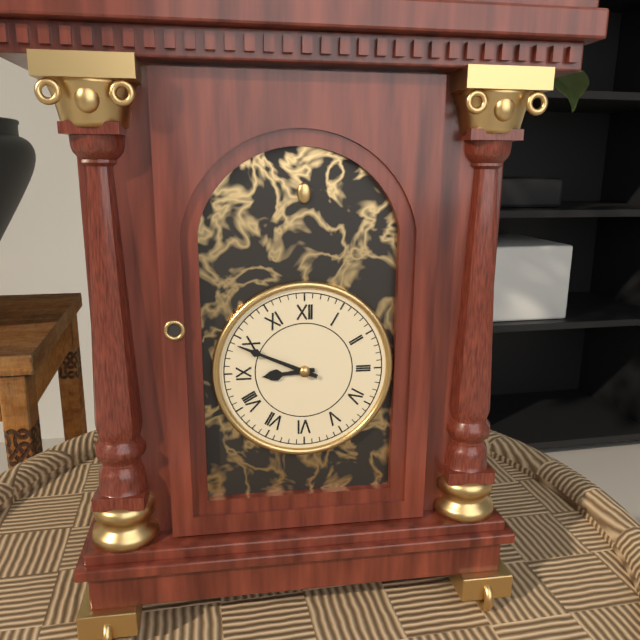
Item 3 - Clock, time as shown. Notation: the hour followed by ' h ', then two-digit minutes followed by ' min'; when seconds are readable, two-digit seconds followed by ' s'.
8 h 49 min
